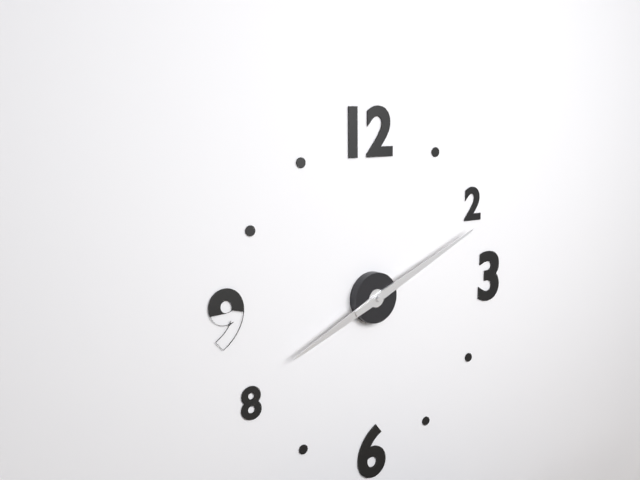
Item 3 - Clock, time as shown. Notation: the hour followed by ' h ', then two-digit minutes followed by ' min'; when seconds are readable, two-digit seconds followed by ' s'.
8 h 11 min
